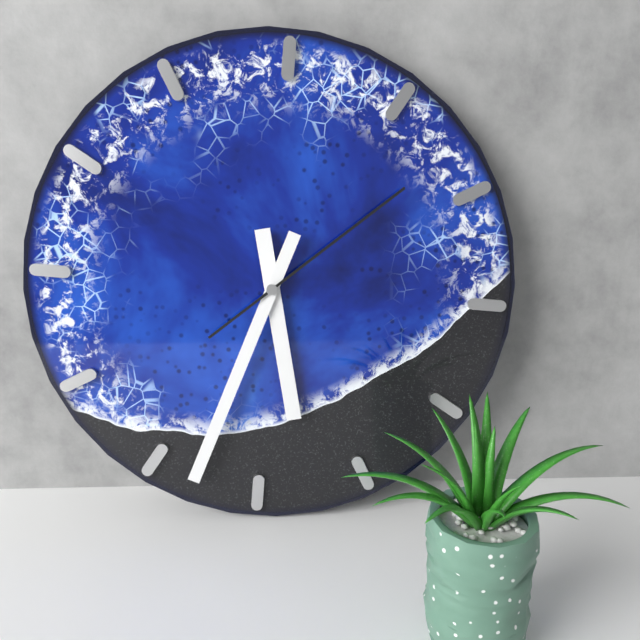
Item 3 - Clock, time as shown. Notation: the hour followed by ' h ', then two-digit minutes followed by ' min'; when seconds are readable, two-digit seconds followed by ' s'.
5 h 33 min 08 s
